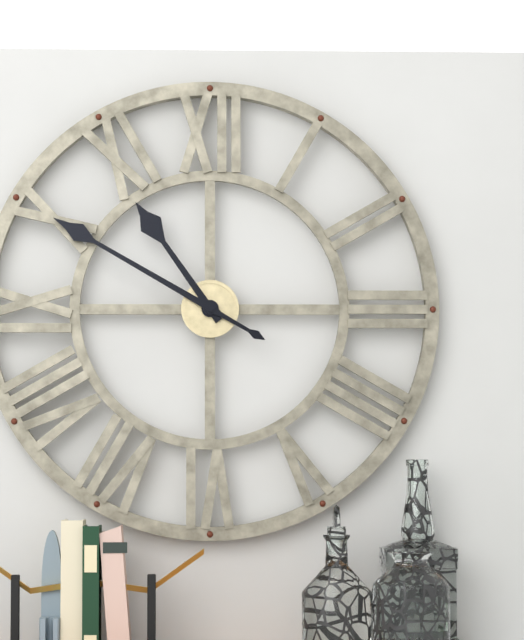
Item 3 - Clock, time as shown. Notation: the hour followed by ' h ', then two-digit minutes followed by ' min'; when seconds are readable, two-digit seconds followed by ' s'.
10 h 50 min
